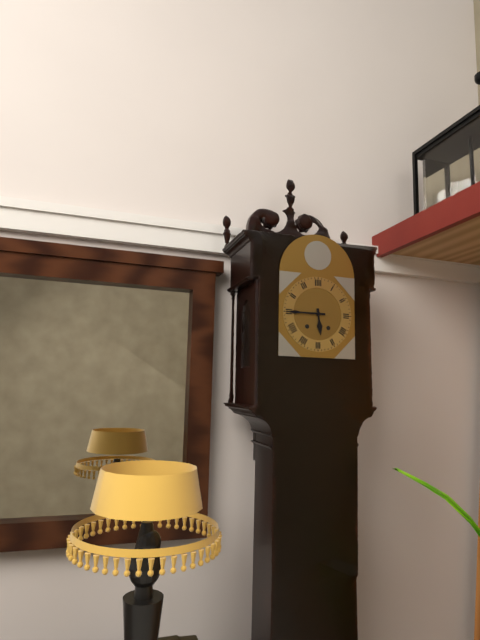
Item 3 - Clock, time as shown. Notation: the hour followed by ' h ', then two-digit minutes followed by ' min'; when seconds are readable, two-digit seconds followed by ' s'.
5 h 45 min
